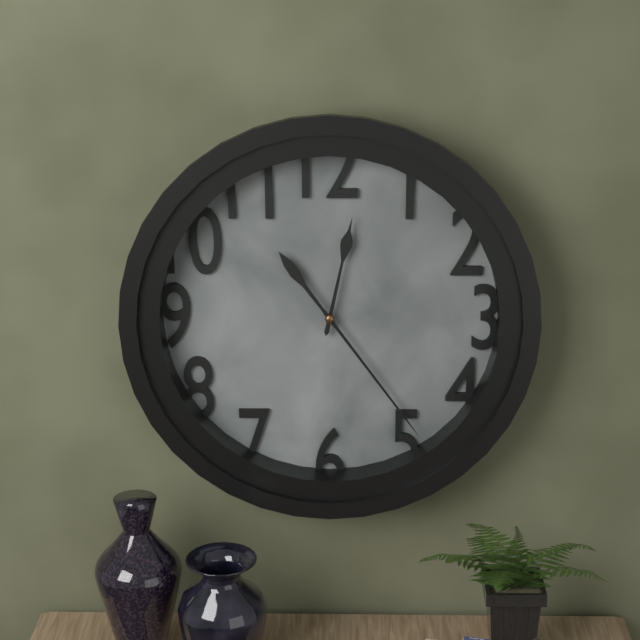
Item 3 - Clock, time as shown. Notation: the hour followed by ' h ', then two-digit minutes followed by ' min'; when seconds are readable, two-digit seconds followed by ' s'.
12 h 24 min
